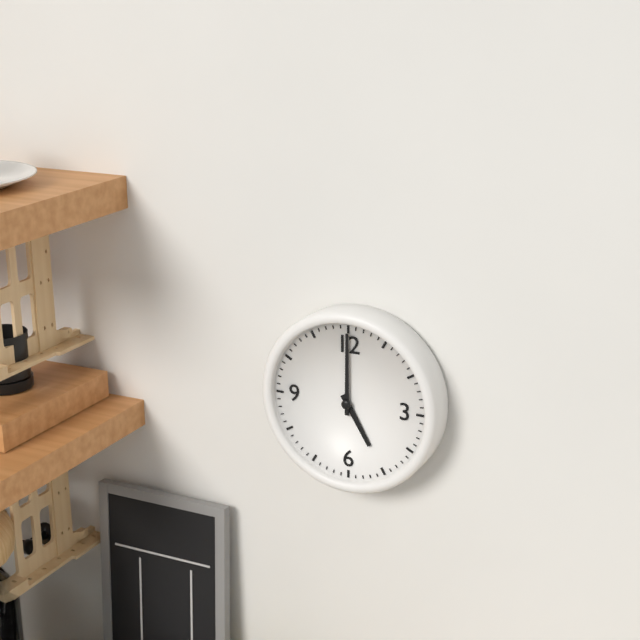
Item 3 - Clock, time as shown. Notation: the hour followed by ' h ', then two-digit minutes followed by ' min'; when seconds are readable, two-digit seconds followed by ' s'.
5 h 00 min
